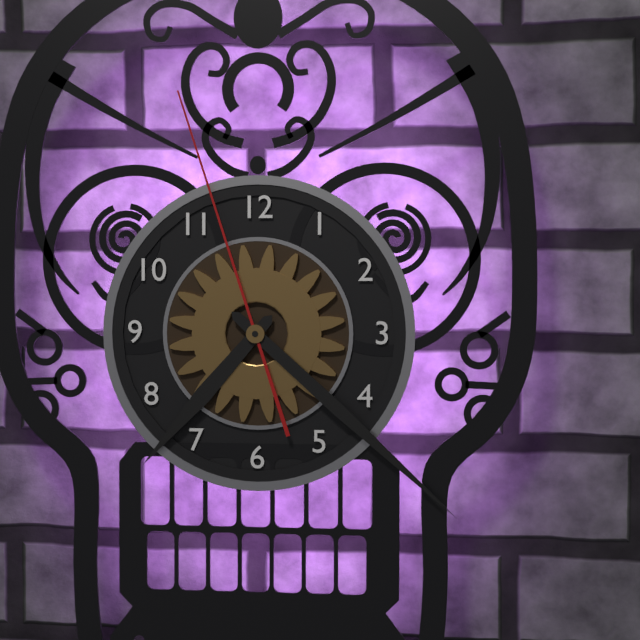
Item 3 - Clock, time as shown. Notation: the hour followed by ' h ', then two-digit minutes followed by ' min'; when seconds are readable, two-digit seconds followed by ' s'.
7 h 22 min 57 s
